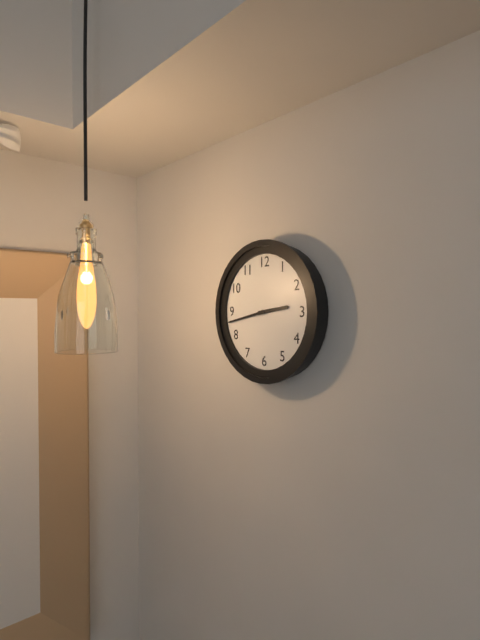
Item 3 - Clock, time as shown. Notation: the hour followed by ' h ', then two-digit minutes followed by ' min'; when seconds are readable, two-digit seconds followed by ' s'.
2 h 43 min
